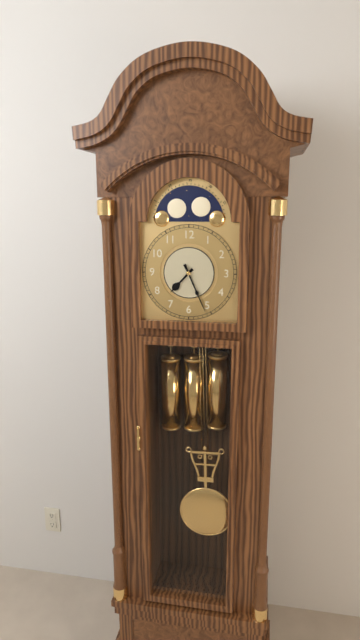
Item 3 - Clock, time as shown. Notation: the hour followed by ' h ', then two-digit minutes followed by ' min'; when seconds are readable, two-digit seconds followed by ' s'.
7 h 26 min
